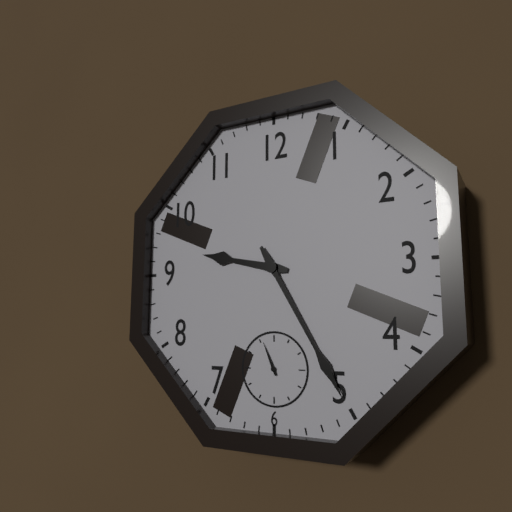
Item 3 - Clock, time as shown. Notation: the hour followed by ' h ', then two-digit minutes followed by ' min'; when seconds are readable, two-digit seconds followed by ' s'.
9 h 25 min
